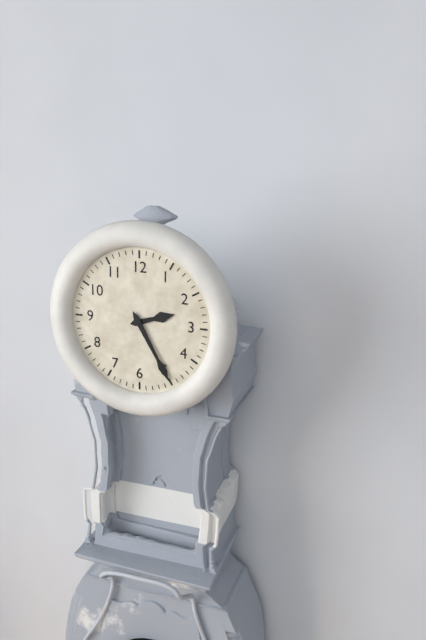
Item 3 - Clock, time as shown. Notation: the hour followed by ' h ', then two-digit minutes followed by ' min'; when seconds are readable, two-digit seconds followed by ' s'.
2 h 25 min
